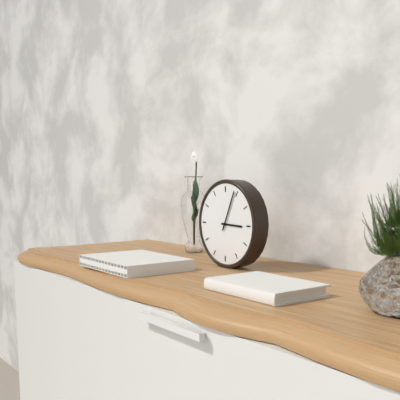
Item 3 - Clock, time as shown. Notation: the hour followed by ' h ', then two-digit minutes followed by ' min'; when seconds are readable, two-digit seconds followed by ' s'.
3 h 04 min
